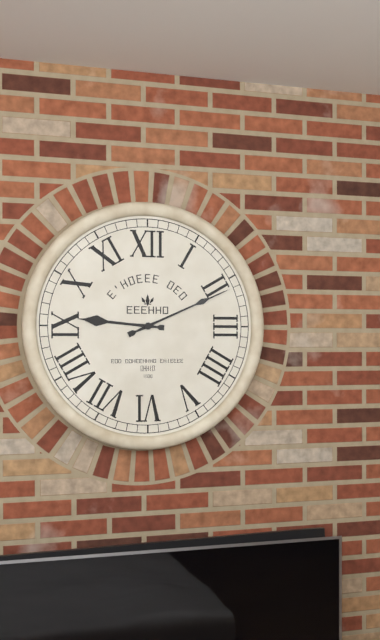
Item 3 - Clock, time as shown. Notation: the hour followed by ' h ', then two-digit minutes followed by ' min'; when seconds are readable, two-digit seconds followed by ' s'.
9 h 11 min
